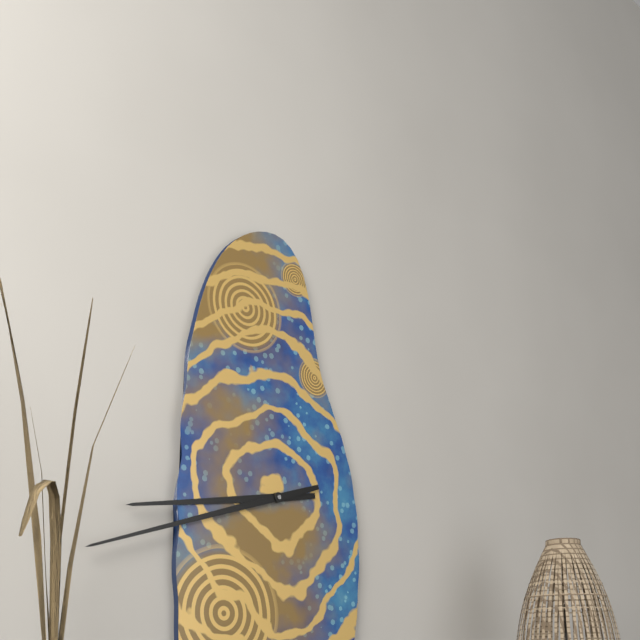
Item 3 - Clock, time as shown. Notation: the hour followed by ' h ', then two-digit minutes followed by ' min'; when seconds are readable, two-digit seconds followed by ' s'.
8 h 42 min
